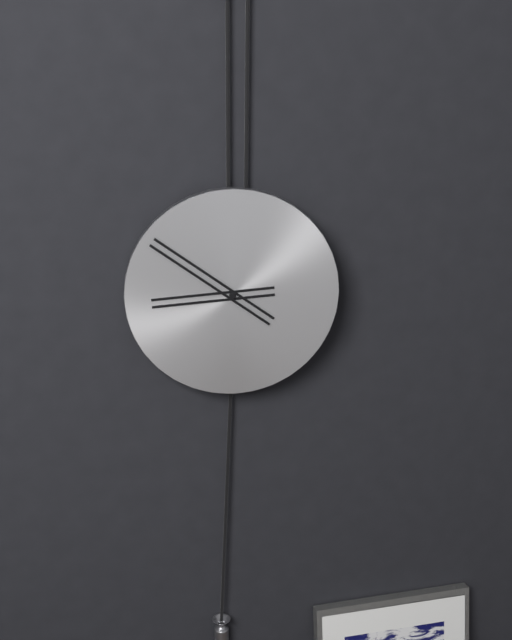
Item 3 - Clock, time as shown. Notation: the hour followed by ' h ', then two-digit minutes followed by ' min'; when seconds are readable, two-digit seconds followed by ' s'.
8 h 51 min
